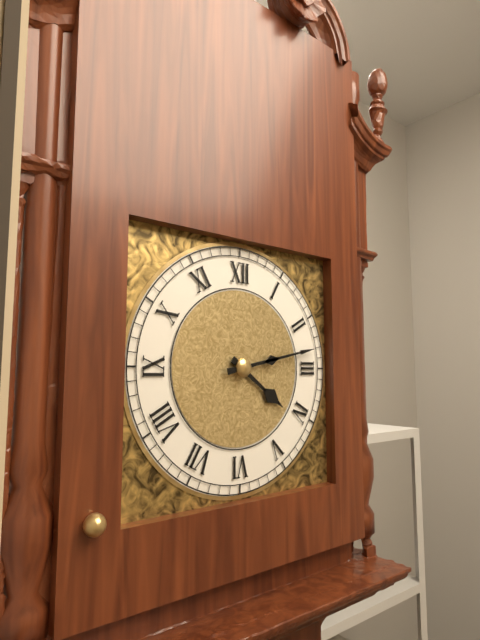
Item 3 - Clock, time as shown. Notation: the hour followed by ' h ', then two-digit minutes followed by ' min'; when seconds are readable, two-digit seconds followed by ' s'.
4 h 13 min
